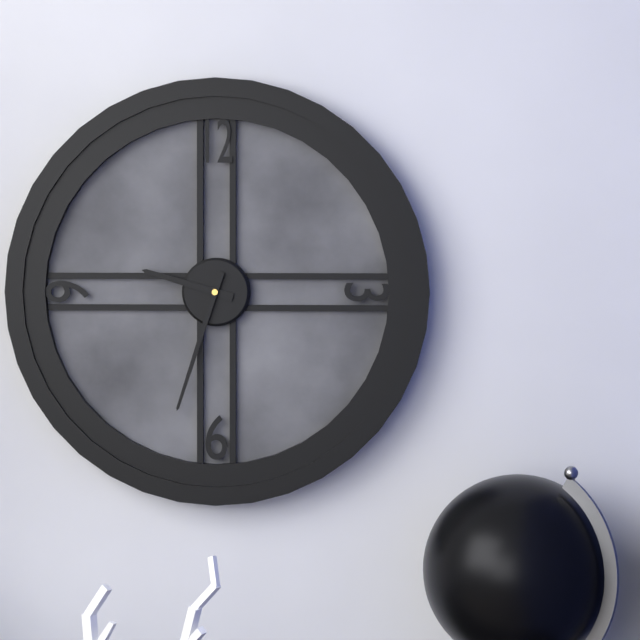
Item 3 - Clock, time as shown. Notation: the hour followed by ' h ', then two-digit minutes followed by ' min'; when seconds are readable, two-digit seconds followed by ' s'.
9 h 33 min
